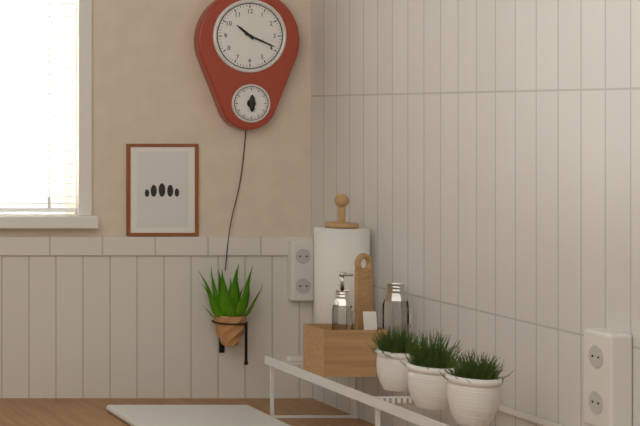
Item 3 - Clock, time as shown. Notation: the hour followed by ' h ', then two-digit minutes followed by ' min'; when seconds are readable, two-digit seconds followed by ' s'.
10 h 19 min
